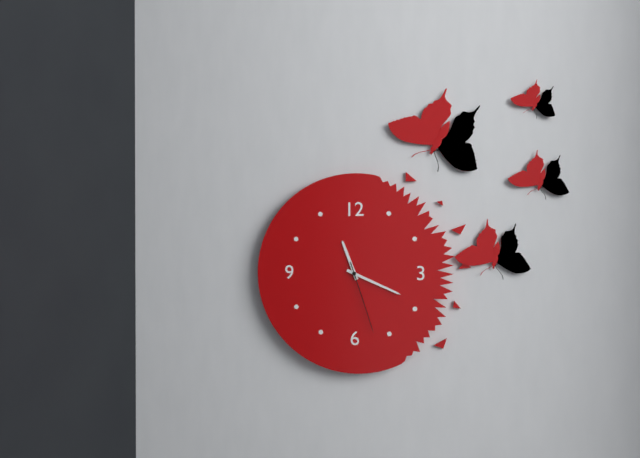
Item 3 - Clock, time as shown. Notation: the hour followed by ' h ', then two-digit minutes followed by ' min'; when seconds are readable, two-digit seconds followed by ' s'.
11 h 19 min 27 s
